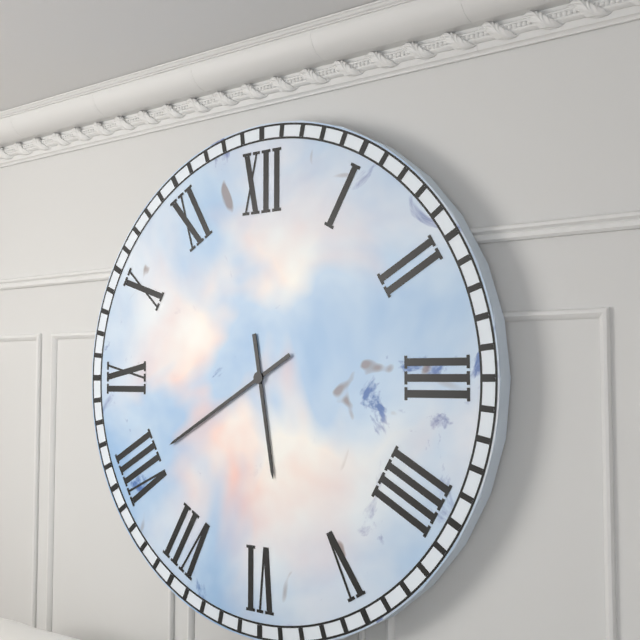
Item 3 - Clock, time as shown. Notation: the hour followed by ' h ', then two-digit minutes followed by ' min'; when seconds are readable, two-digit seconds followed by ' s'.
5 h 40 min
